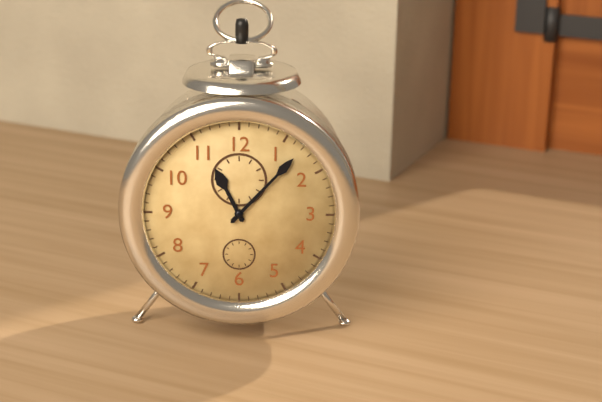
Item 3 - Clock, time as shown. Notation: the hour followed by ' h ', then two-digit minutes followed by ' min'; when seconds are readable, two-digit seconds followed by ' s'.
11 h 07 min
